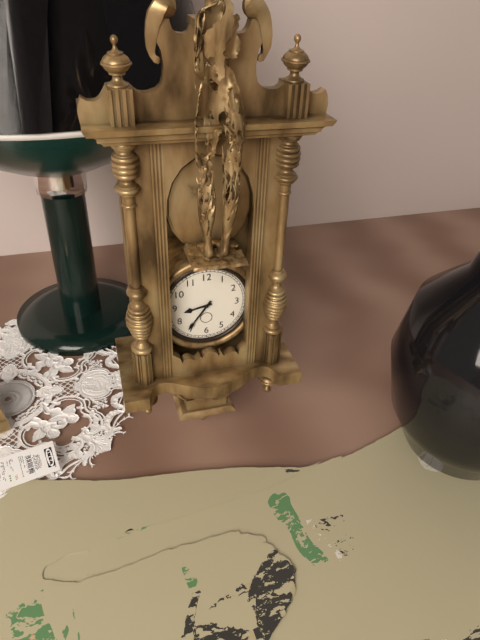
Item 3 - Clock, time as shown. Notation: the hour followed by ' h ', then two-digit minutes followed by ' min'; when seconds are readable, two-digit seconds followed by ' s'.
8 h 36 min
